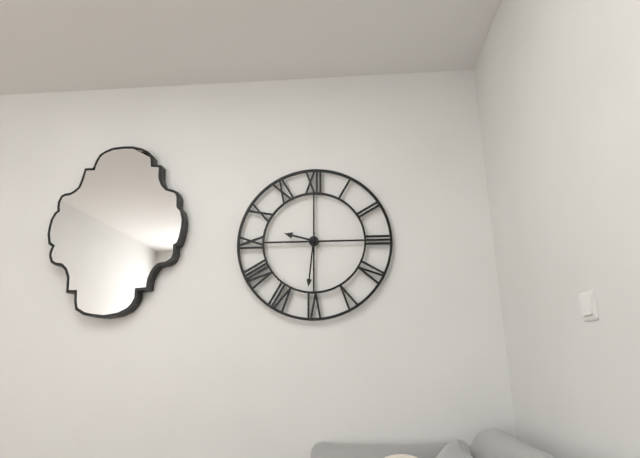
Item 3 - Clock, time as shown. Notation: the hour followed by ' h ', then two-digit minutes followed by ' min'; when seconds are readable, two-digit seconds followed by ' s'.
9 h 31 min
